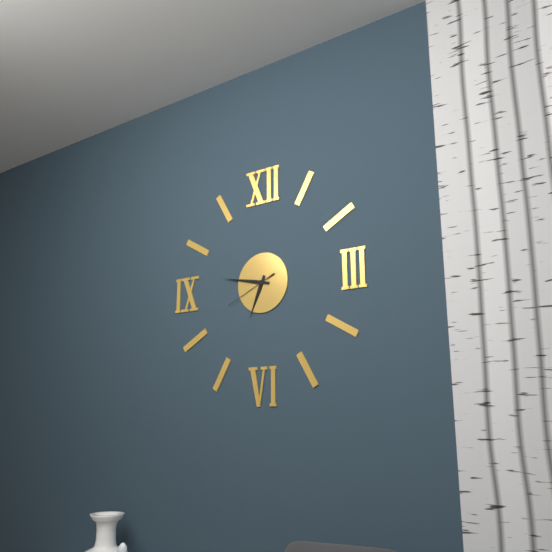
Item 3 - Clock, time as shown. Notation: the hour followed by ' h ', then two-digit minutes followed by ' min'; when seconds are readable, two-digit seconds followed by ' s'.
6 h 47 min 41 s
